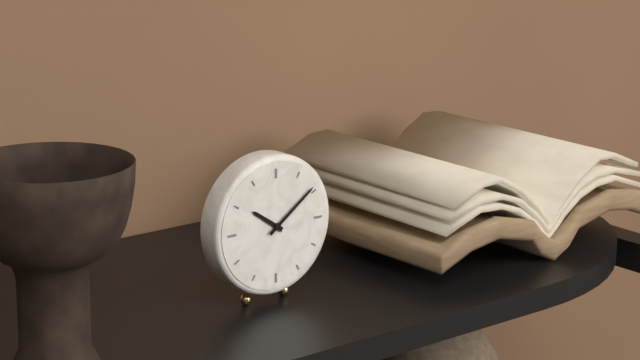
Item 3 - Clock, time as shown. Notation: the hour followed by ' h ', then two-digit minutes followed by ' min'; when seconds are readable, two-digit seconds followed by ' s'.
10 h 09 min
